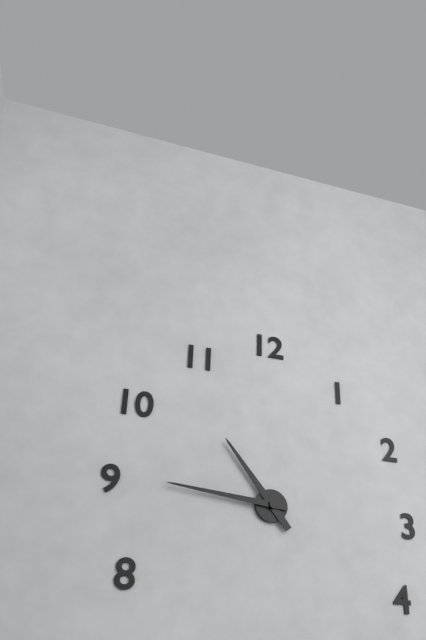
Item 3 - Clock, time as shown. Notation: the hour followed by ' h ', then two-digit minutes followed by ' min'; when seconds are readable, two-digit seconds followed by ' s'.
10 h 46 min
